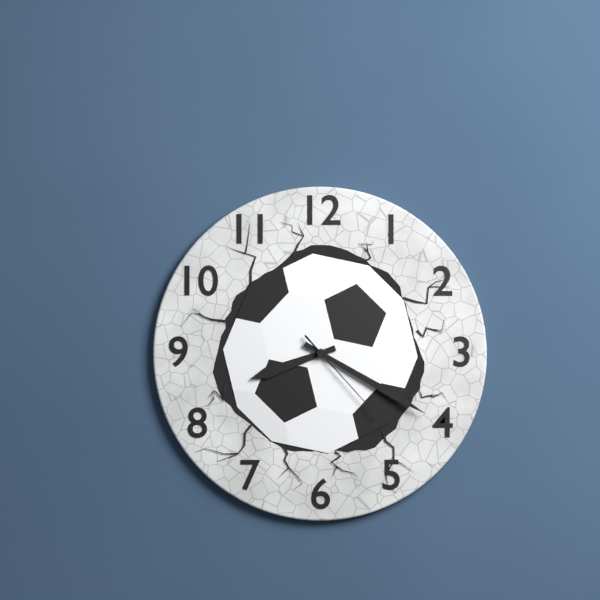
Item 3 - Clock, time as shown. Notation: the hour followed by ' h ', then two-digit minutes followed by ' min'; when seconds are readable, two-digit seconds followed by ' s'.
8 h 20 min 23 s
